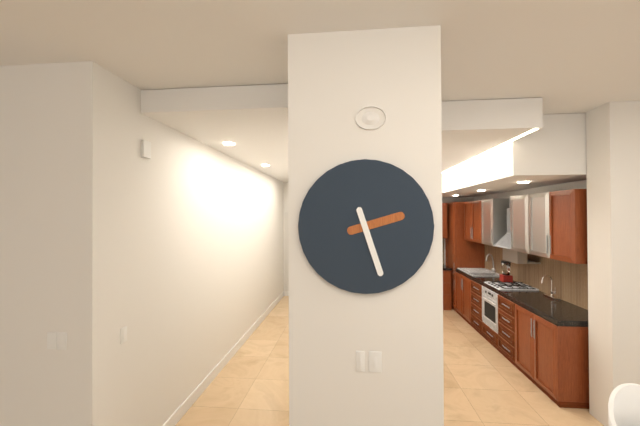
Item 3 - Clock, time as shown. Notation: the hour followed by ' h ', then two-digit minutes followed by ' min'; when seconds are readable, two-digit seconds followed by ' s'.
2 h 27 min
